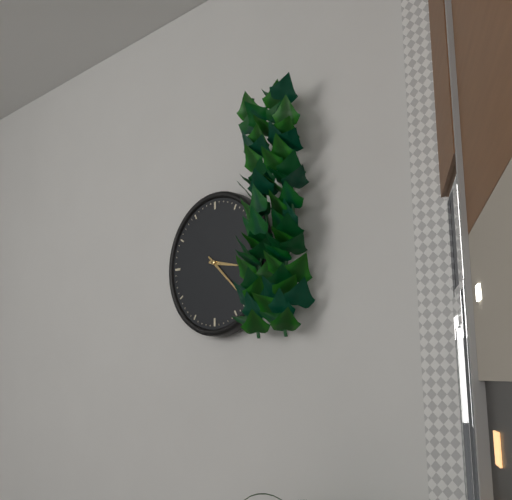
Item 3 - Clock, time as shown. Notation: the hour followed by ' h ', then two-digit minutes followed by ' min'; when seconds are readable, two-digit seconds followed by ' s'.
3 h 22 min
